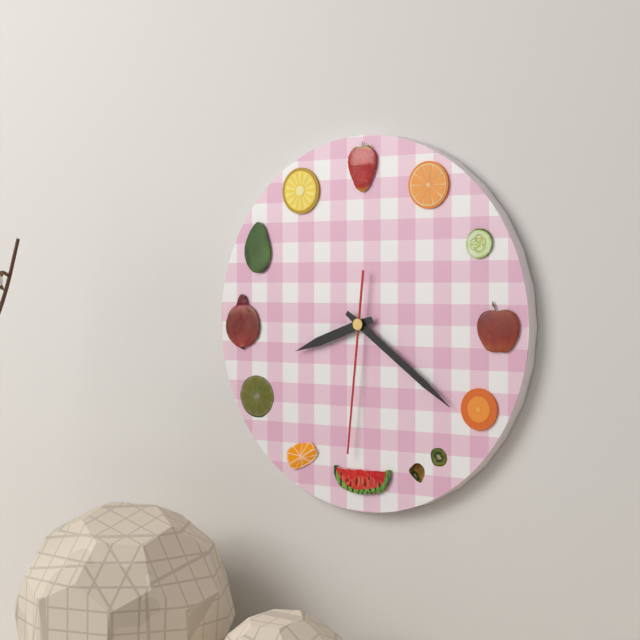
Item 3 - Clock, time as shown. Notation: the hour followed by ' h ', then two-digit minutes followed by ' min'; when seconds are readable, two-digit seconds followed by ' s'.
8 h 21 min 31 s
